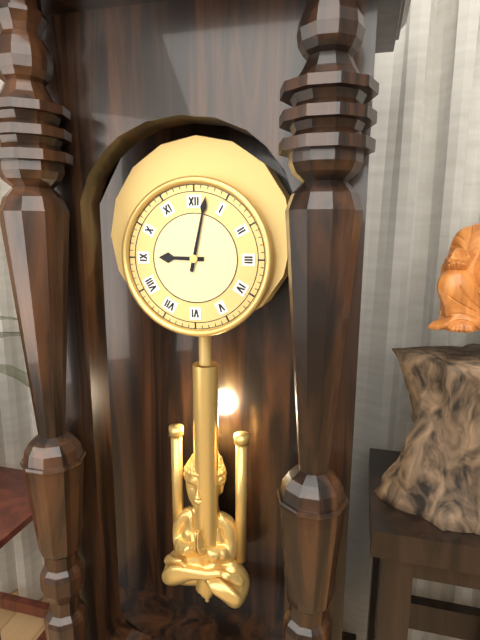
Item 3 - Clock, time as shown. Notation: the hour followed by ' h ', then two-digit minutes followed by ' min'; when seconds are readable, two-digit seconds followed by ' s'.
9 h 02 min
